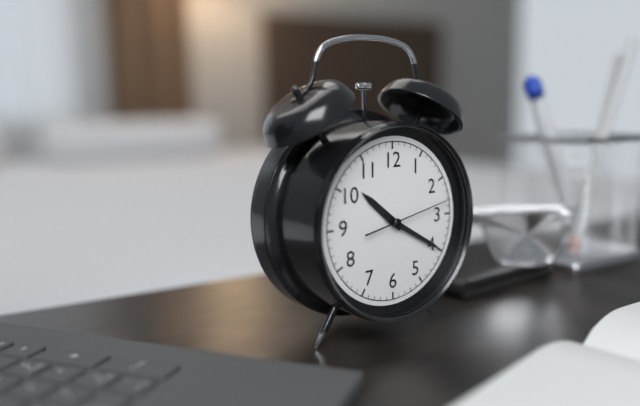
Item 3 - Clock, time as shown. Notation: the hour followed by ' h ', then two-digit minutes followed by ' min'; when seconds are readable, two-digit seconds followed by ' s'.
10 h 20 min 13 s
